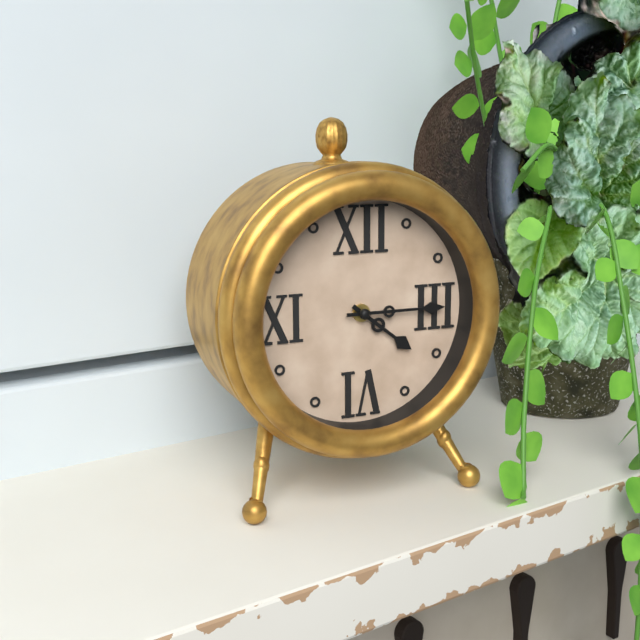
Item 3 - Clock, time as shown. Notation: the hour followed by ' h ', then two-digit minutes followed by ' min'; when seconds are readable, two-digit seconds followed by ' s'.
4 h 15 min
